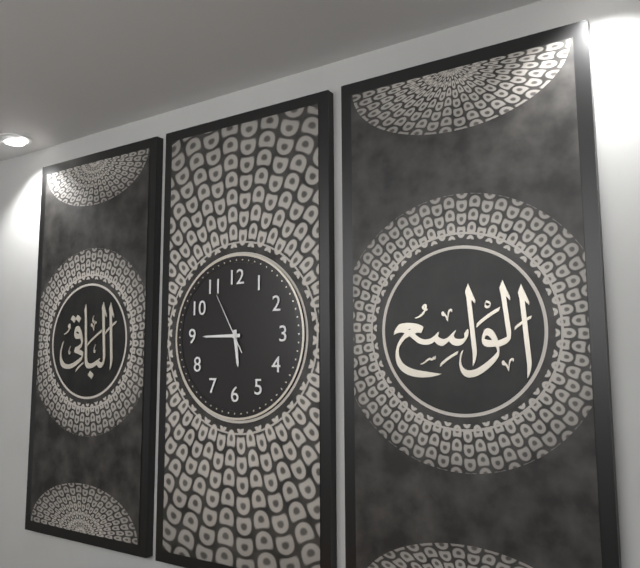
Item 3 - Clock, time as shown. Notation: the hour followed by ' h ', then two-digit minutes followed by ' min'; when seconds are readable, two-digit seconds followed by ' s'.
5 h 45 min 55 s
